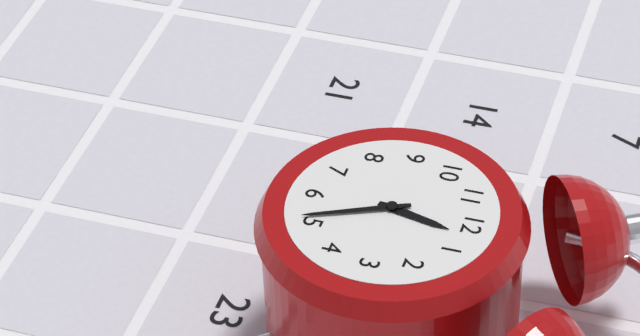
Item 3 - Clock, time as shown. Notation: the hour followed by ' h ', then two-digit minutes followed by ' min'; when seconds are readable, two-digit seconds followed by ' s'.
12 h 26 min
